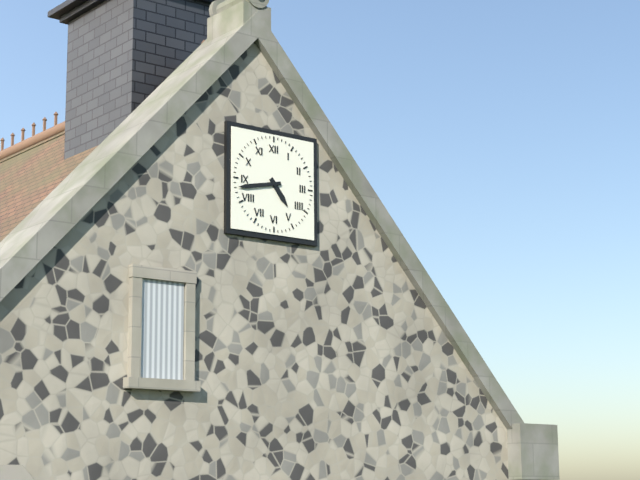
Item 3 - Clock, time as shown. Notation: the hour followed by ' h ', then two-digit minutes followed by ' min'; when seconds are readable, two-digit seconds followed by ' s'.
4 h 43 min
